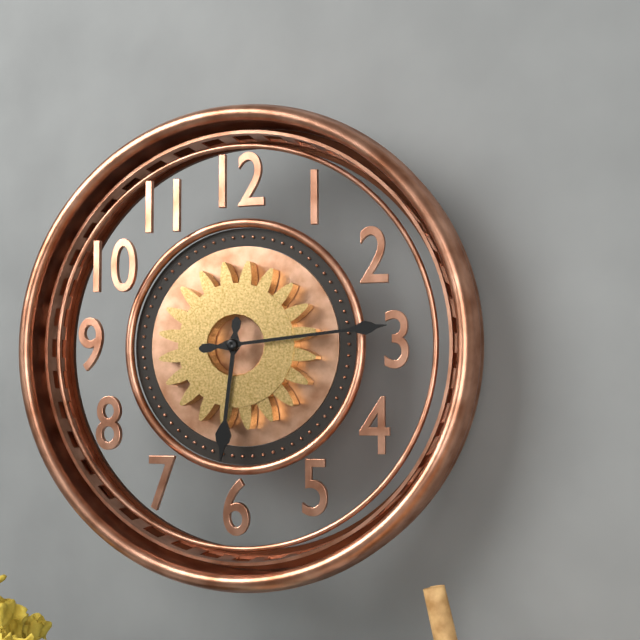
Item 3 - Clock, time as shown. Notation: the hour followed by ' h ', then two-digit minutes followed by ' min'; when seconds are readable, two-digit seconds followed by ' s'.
6 h 14 min
